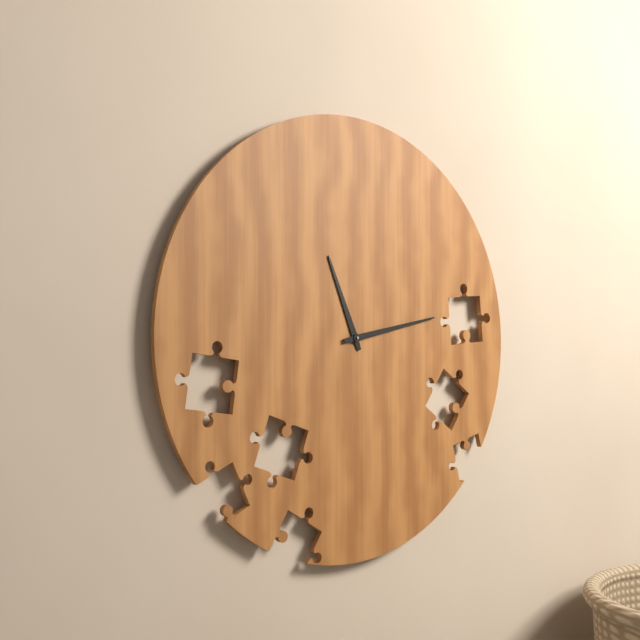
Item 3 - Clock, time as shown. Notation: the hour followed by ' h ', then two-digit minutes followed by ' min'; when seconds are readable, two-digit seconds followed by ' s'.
11 h 13 min
